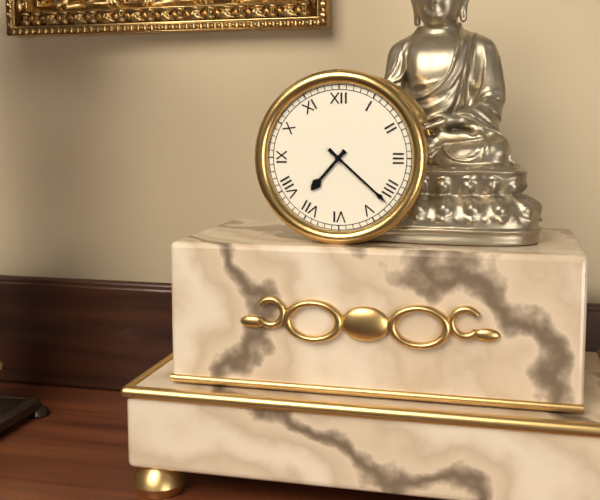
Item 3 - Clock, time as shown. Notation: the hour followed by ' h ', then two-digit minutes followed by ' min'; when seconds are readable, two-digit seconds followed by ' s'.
7 h 22 min
